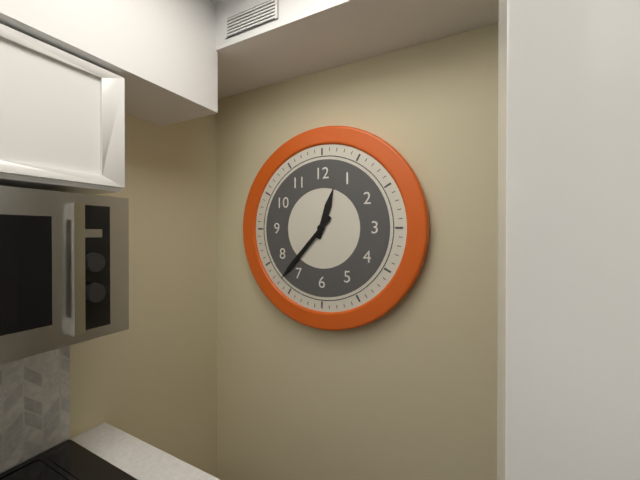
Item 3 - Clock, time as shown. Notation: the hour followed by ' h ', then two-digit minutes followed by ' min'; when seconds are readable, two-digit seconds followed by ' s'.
12 h 37 min
